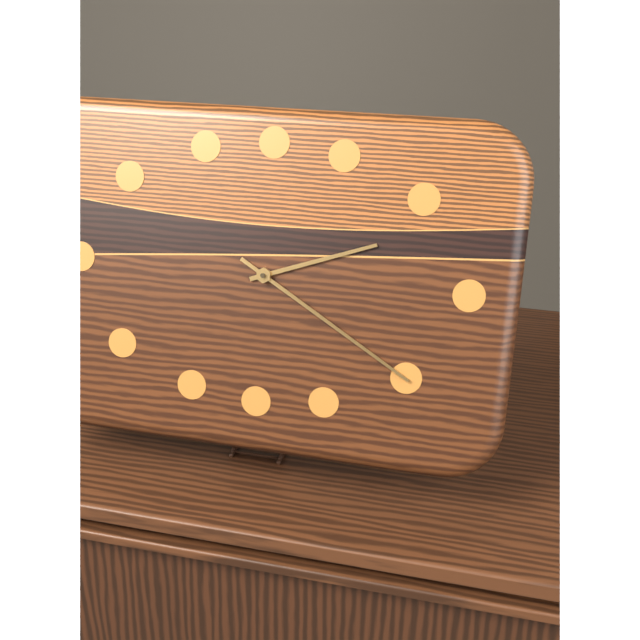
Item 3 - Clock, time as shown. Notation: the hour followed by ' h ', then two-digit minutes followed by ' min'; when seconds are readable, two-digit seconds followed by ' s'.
2 h 20 min
